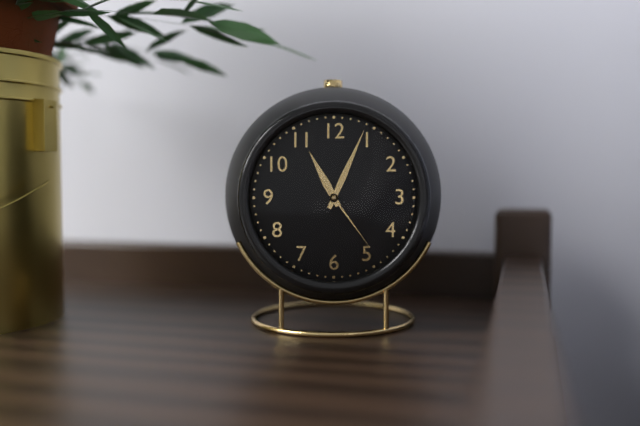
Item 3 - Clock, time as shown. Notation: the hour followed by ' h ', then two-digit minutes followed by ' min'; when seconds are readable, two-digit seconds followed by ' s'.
11 h 04 min 24 s
